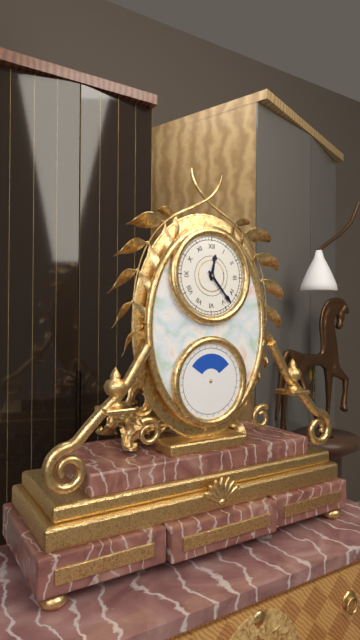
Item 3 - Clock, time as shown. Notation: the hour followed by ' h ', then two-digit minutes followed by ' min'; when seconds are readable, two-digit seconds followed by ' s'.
12 h 23 min
